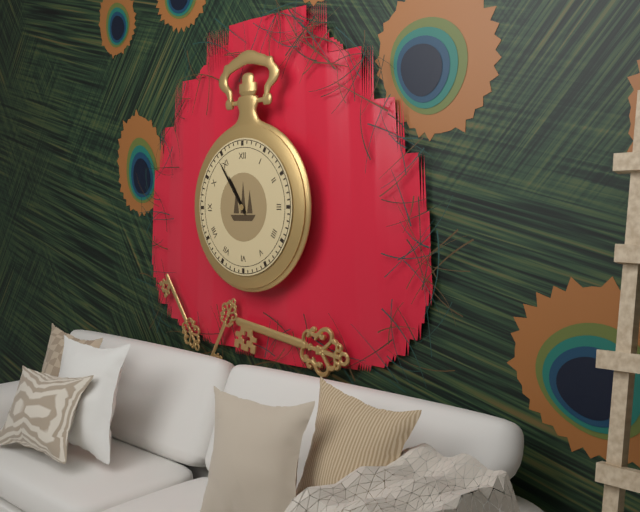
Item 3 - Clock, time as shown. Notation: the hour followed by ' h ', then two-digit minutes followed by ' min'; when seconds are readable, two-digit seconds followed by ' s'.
10 h 54 min
